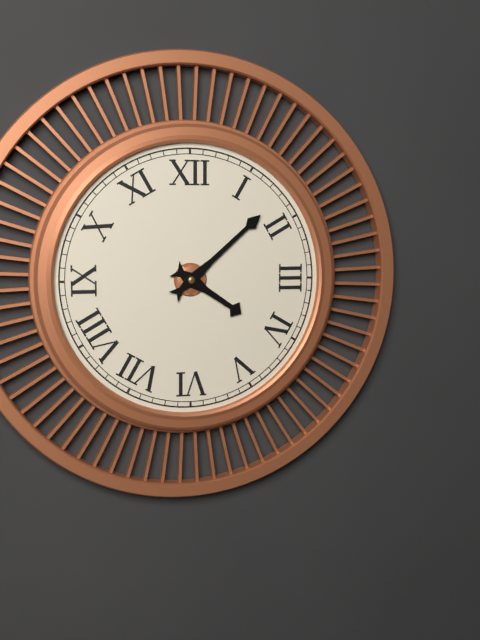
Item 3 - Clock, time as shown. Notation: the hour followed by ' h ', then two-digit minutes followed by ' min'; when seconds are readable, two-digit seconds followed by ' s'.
4 h 08 min
